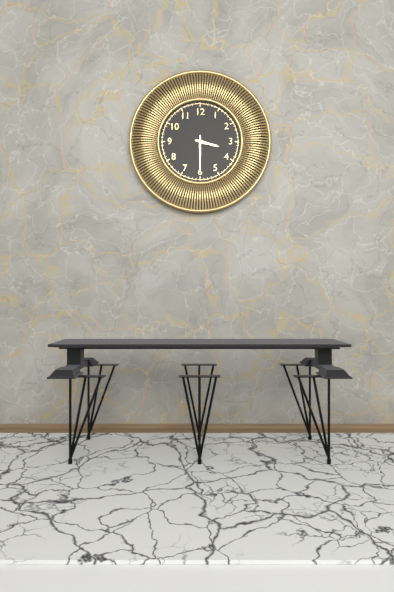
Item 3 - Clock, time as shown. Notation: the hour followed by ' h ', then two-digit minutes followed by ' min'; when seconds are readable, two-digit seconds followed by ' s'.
3 h 30 min
